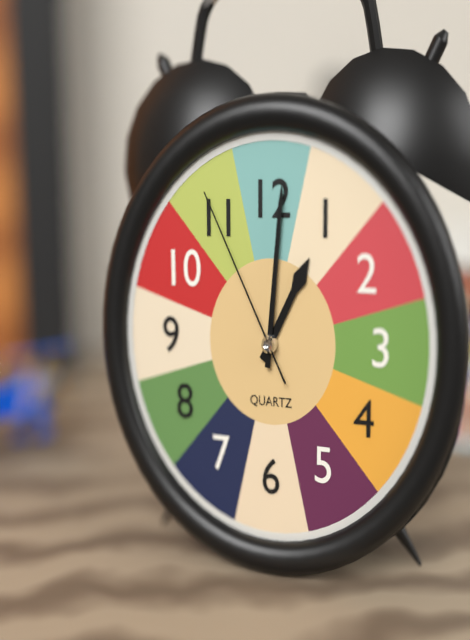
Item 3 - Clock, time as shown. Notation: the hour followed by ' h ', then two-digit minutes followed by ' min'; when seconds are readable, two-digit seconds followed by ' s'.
1 h 01 min 55 s
